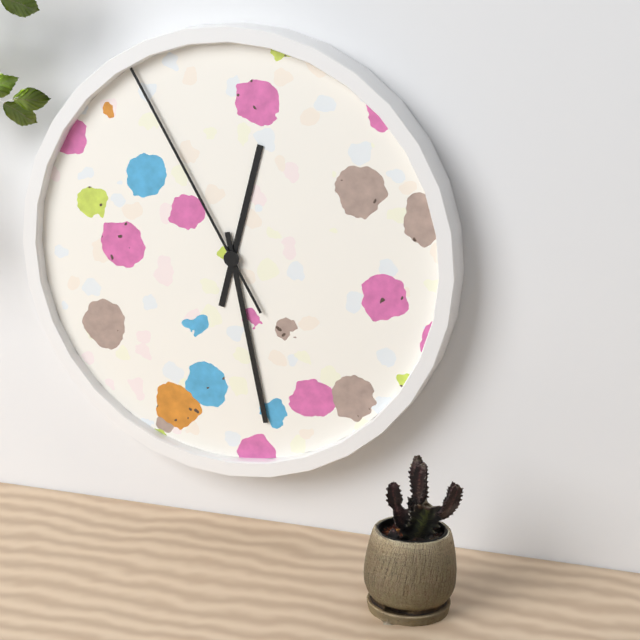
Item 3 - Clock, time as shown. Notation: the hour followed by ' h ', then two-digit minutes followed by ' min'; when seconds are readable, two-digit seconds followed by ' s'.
12 h 28 min 55 s
